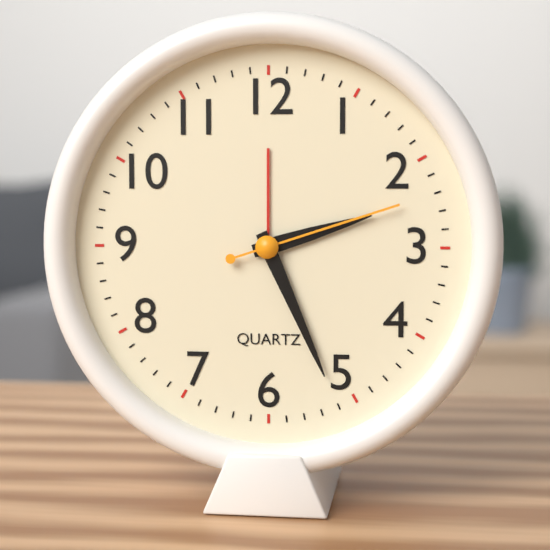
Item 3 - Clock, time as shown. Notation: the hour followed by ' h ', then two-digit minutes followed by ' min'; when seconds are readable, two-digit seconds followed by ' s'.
2 h 26 min 12 s
